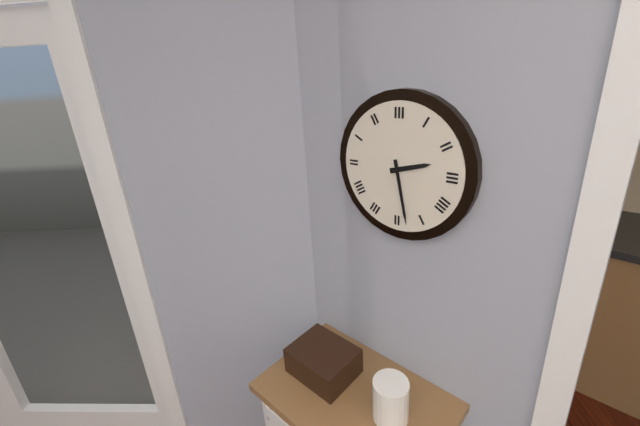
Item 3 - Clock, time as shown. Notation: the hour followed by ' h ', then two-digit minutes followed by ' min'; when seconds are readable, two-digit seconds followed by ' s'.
2 h 28 min
